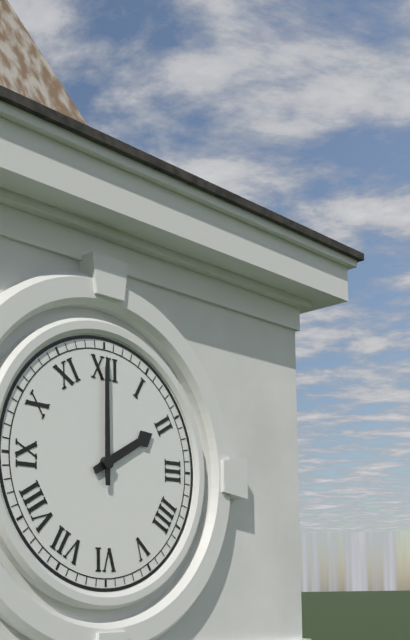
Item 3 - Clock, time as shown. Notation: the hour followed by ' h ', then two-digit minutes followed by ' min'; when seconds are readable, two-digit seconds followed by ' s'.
2 h 00 min
